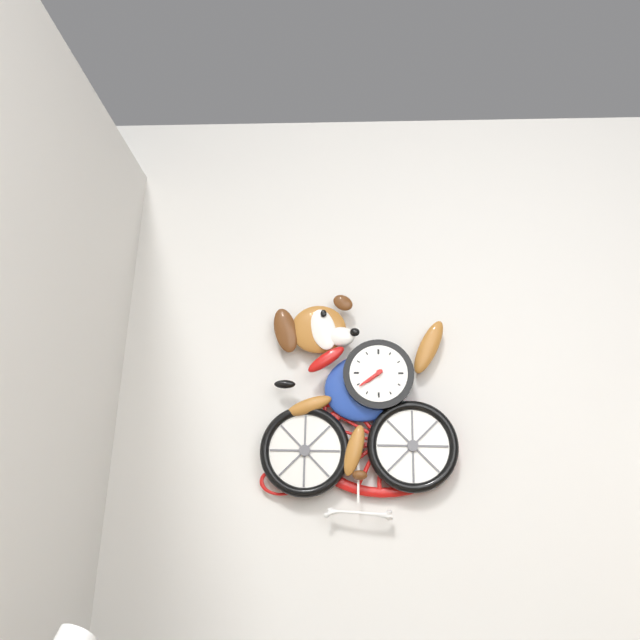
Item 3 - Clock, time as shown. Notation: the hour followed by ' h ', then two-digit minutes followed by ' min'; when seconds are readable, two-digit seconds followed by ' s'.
7 h 39 min
